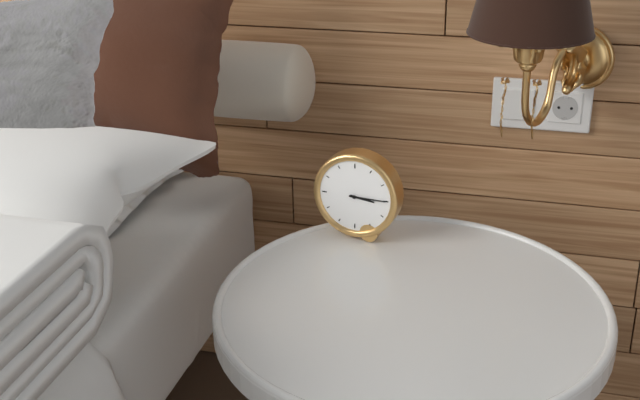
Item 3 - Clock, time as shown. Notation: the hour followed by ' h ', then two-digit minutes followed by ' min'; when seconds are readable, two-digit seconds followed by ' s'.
3 h 15 min
